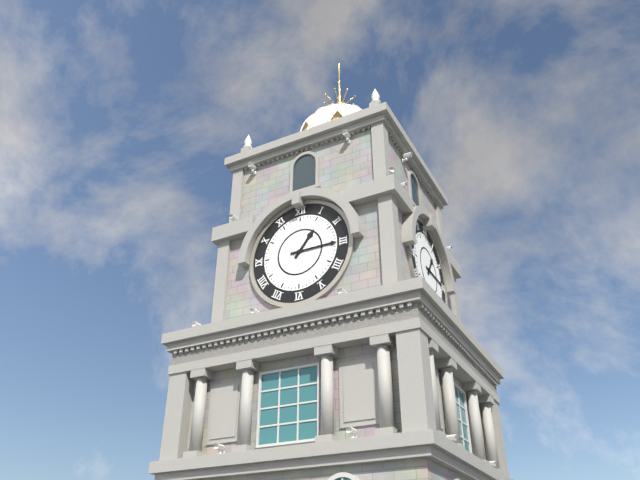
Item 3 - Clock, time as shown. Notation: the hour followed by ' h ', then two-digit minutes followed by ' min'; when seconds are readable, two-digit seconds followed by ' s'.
1 h 15 min
